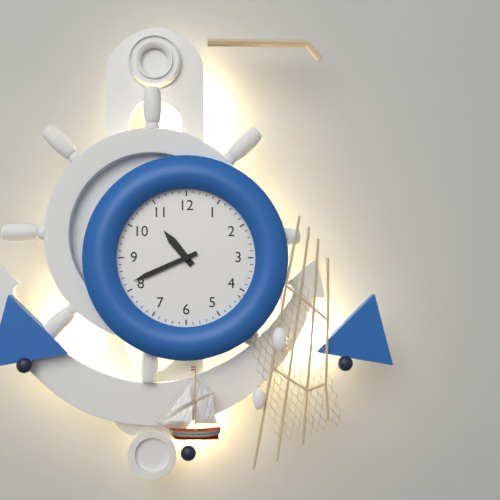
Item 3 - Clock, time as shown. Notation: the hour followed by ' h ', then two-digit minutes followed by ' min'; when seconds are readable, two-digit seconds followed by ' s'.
10 h 41 min
